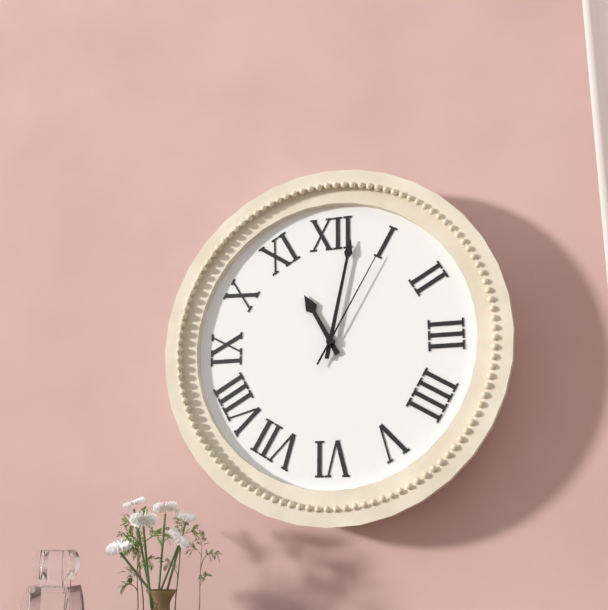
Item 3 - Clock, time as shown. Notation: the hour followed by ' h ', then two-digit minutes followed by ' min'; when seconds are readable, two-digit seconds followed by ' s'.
11 h 02 min 05 s
